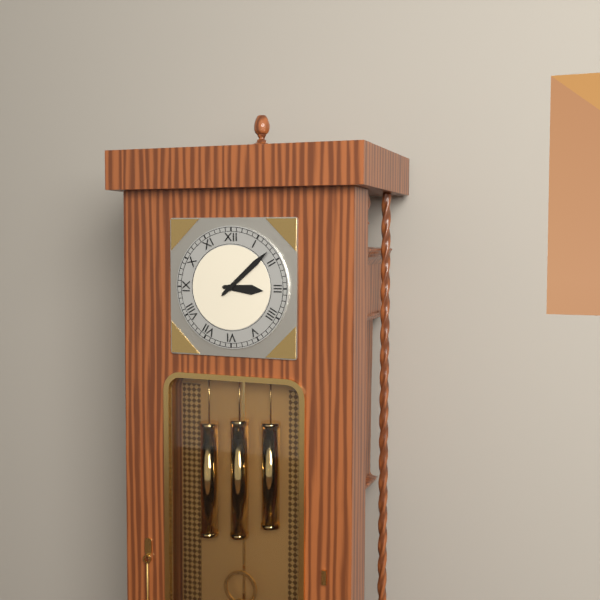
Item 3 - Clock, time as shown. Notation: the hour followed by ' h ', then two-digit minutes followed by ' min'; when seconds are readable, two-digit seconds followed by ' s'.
3 h 08 min
